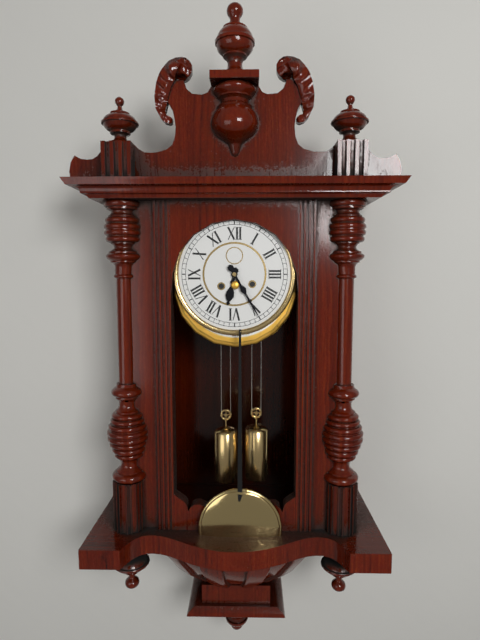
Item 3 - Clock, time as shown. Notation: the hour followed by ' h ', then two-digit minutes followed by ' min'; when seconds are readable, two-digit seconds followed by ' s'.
6 h 25 min
